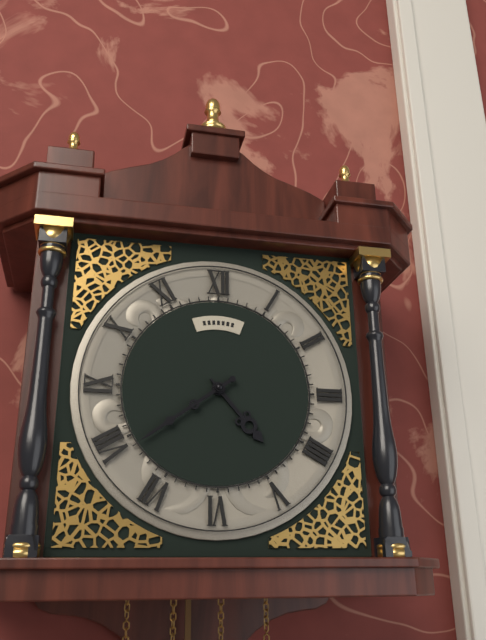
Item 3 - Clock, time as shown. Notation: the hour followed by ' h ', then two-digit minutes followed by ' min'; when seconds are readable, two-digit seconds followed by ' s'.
4 h 39 min
